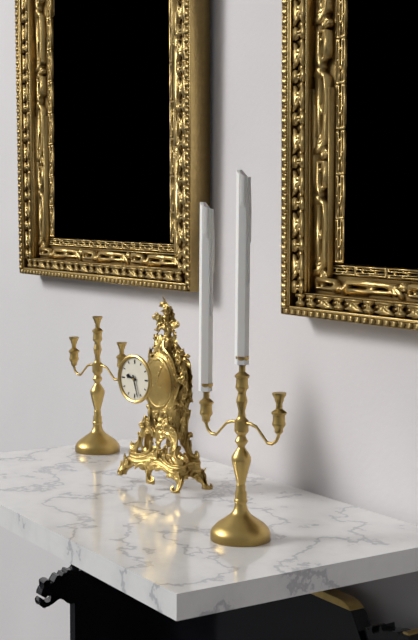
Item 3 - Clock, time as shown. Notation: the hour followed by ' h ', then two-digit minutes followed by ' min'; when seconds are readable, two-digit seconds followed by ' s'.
9 h 27 min
